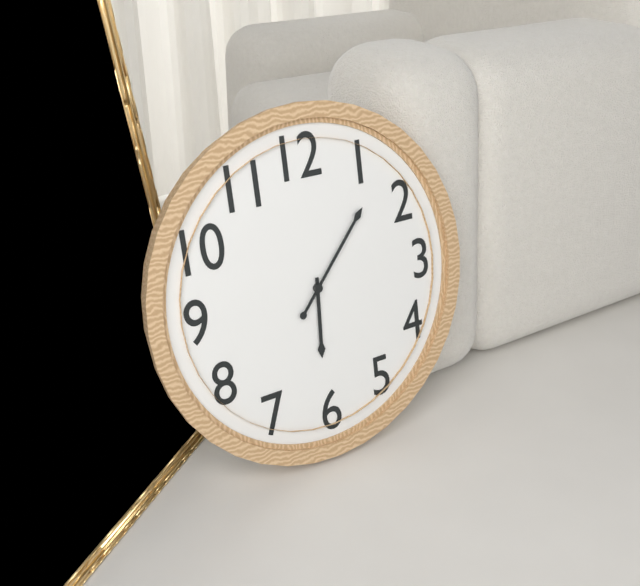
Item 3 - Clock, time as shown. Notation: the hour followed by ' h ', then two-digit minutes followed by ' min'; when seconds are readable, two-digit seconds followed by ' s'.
6 h 07 min
